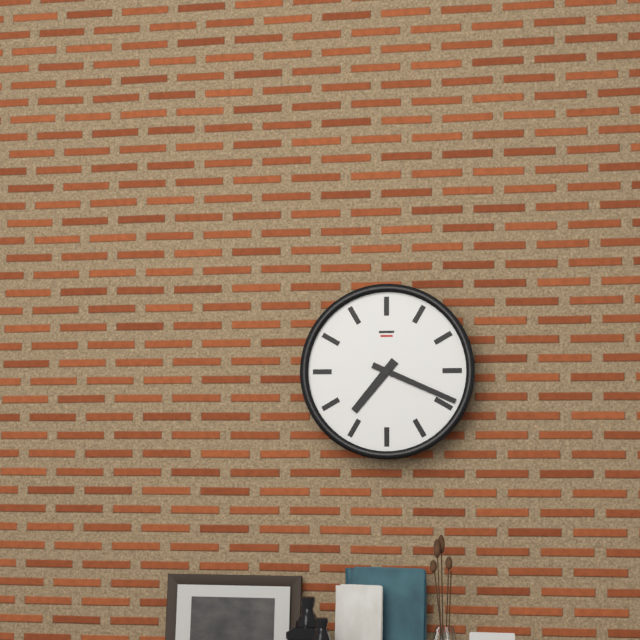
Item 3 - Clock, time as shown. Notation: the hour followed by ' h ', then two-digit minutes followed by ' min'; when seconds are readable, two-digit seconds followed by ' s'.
7 h 19 min
